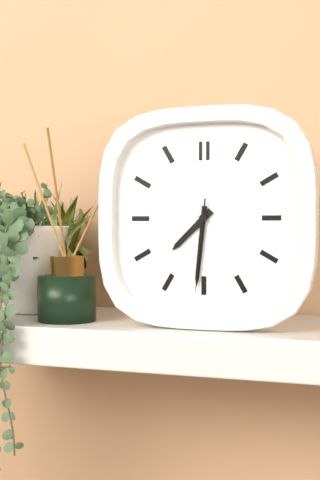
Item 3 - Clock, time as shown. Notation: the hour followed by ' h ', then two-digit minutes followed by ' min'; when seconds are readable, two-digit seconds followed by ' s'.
7 h 31 min 31 s
